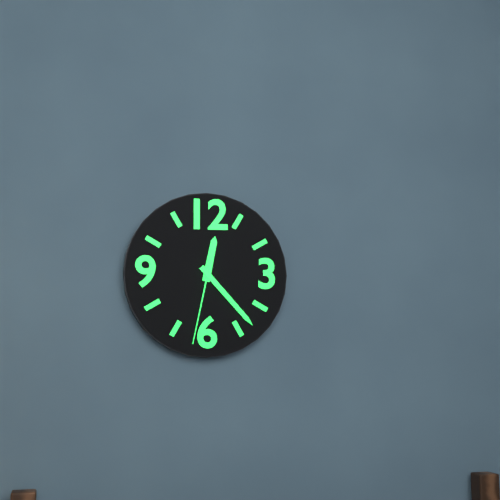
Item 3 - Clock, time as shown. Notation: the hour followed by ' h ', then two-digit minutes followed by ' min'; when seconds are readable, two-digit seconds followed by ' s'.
12 h 23 min 32 s
